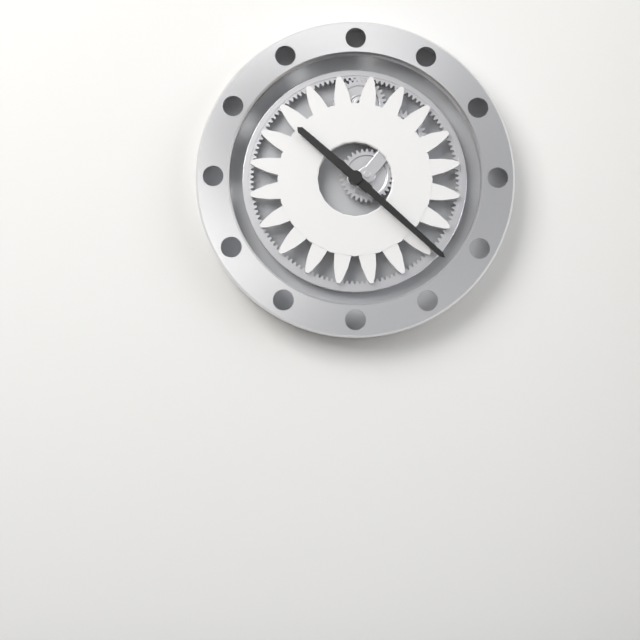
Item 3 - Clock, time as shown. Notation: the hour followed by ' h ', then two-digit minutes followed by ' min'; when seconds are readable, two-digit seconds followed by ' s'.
10 h 22 min
